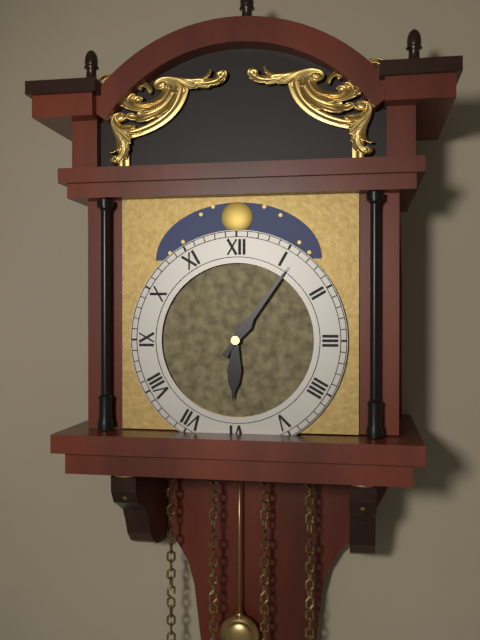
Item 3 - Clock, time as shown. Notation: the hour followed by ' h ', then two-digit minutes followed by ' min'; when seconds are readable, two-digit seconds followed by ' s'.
6 h 06 min
